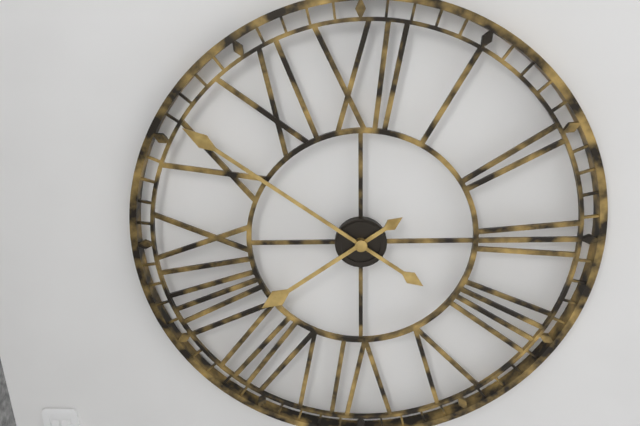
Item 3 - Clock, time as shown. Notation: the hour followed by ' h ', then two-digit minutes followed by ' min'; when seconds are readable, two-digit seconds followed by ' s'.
7 h 51 min
